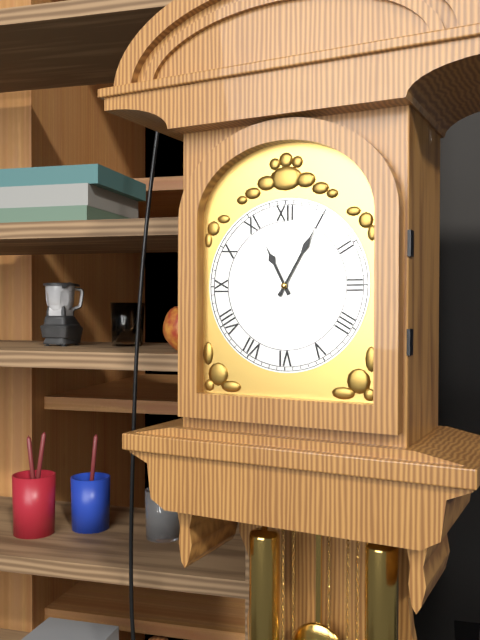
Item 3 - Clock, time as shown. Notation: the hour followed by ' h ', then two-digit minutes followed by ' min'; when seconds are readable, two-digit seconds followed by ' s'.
11 h 05 min
